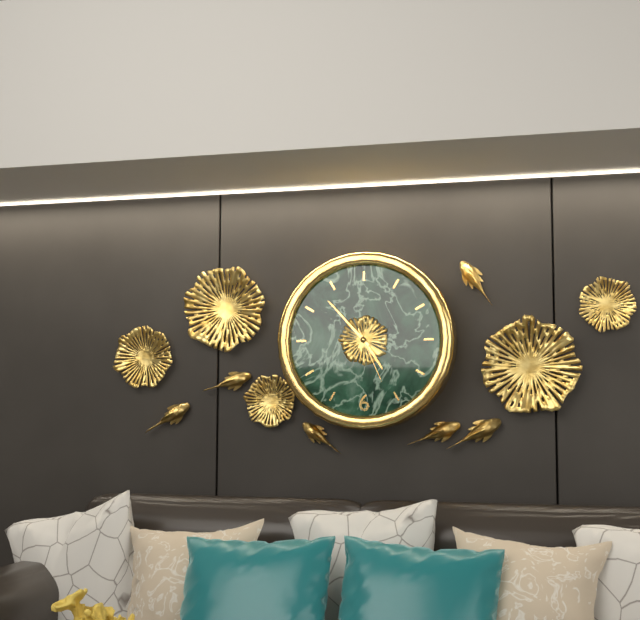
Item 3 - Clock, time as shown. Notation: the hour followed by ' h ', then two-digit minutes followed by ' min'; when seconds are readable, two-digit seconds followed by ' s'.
4 h 53 min 26 s
